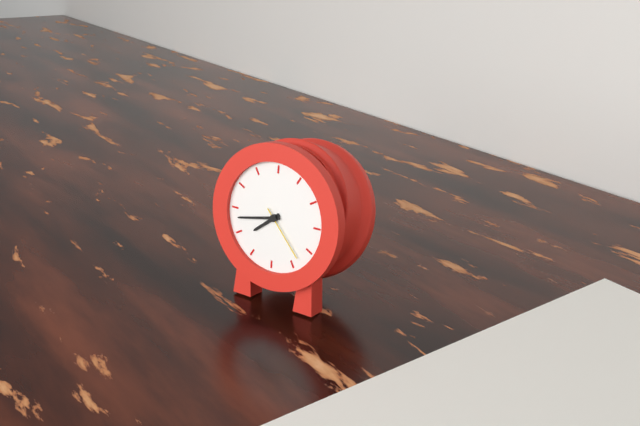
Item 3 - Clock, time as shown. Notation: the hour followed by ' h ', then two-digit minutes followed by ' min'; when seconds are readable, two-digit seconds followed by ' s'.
7 h 43 min 23 s
